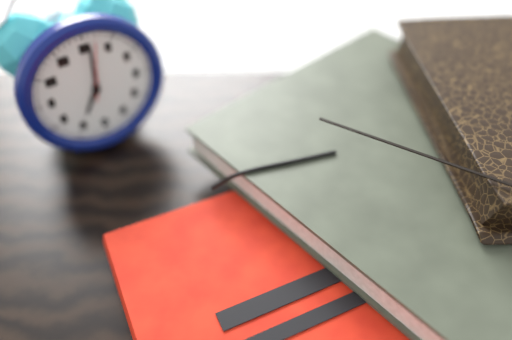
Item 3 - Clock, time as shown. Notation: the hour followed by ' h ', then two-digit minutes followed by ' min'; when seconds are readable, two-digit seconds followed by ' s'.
7 h 01 min 02 s
